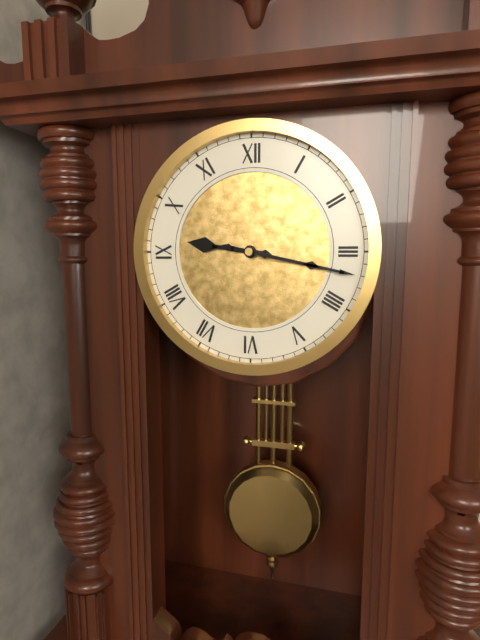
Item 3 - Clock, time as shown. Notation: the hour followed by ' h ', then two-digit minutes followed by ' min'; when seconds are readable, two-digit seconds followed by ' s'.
9 h 17 min
